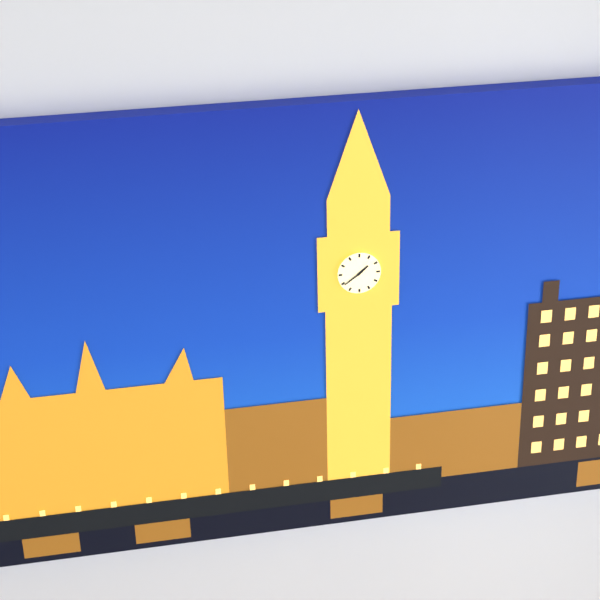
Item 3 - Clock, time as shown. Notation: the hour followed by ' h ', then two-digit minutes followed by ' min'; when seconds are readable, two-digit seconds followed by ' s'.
1 h 39 min
